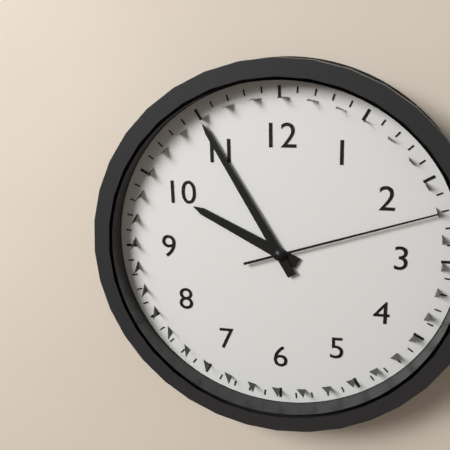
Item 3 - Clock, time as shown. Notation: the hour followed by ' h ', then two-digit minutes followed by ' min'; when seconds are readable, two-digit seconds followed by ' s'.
9 h 55 min 12 s
